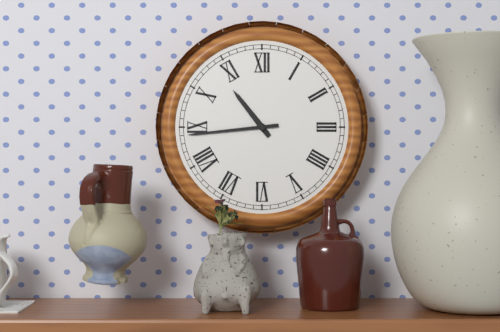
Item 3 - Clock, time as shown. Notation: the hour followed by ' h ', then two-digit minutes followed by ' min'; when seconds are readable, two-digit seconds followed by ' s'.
10 h 44 min
